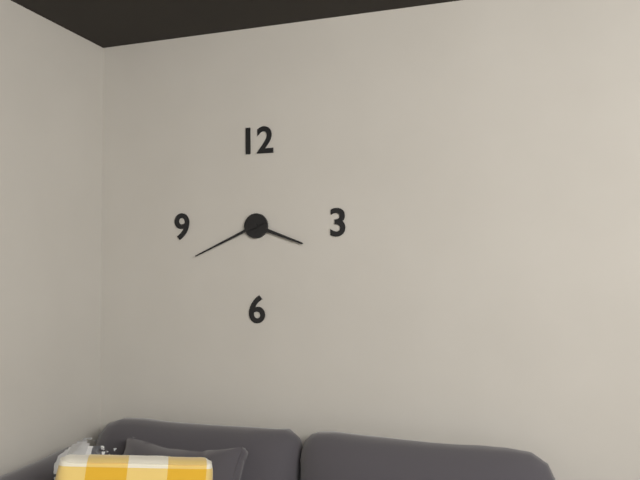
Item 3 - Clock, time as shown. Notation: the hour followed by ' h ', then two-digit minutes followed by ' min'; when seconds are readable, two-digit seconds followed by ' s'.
3 h 41 min
